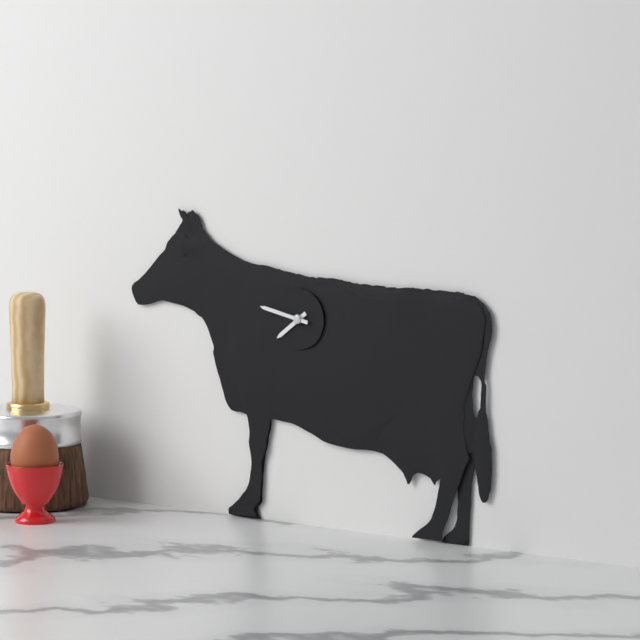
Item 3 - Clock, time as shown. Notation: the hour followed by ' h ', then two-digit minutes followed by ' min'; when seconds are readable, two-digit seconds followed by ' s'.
7 h 47 min
